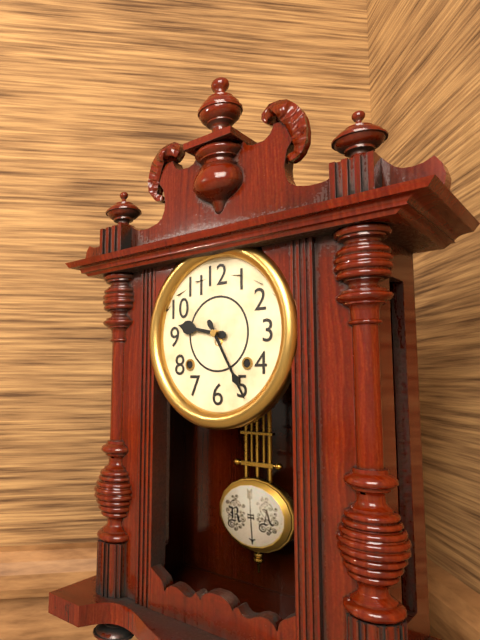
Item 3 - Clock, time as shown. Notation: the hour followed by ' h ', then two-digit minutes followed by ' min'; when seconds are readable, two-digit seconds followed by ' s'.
9 h 25 min
